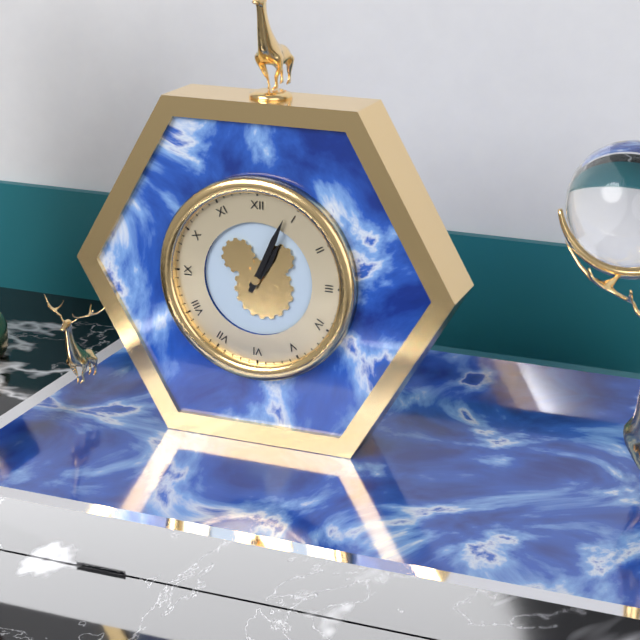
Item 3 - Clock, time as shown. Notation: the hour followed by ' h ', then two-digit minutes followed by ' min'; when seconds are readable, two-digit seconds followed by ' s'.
1 h 04 min
